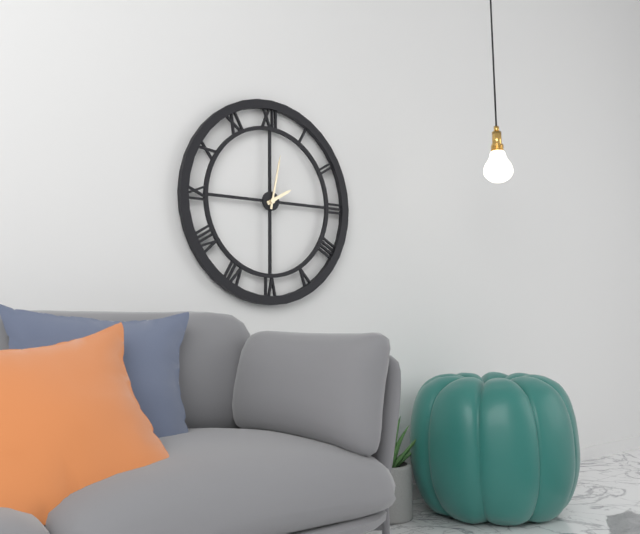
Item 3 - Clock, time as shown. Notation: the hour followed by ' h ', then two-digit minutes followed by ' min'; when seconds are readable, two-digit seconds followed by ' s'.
2 h 02 min
